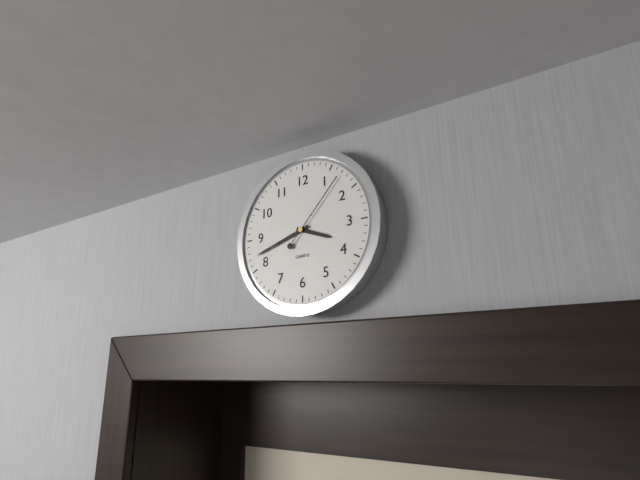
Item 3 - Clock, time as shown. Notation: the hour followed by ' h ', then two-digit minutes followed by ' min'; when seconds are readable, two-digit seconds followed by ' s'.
3 h 42 min 07 s
